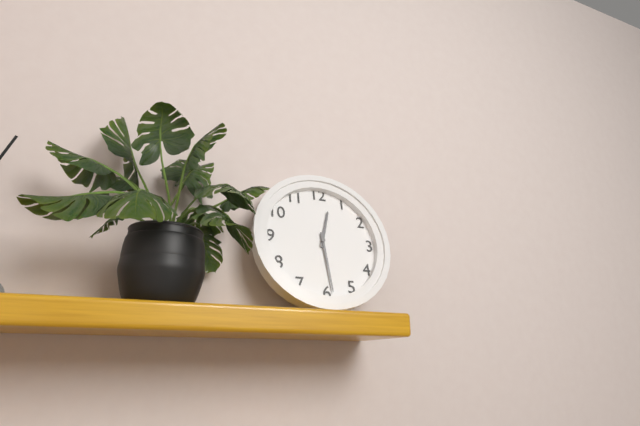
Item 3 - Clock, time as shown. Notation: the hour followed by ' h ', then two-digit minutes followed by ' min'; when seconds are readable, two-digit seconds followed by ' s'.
12 h 29 min
